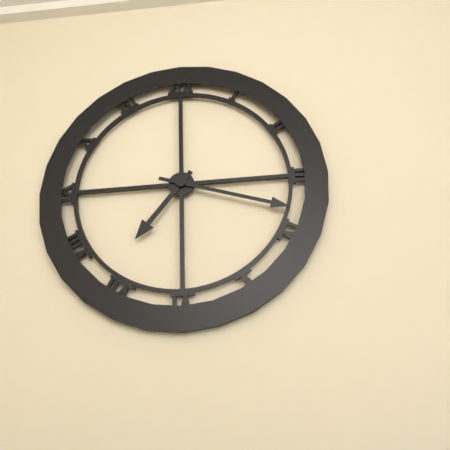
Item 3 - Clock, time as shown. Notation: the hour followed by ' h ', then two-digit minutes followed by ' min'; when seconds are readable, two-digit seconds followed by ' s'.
7 h 18 min
